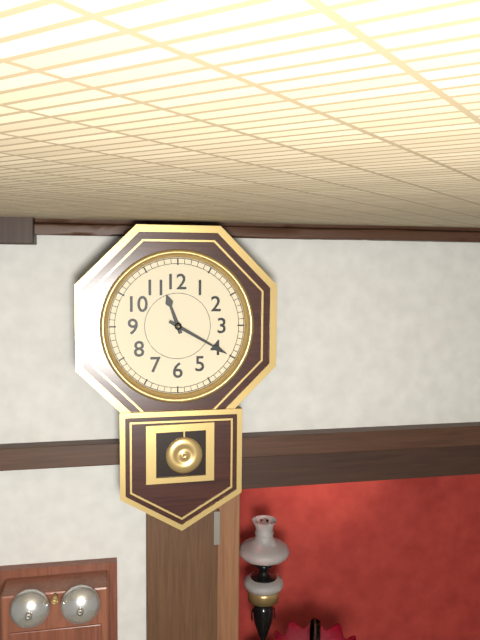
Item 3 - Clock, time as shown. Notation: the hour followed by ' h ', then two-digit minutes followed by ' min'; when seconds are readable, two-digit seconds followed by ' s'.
11 h 20 min
